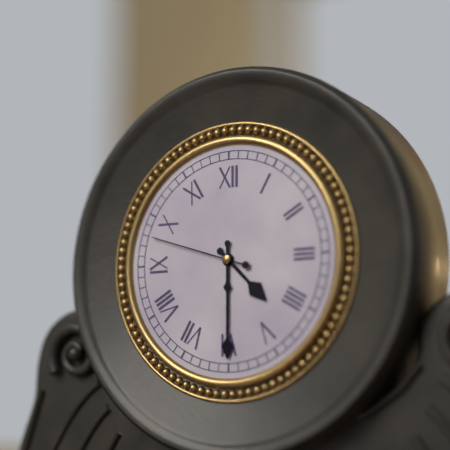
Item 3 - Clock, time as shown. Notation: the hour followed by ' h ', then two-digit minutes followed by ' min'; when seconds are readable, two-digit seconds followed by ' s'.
4 h 30 min 48 s
